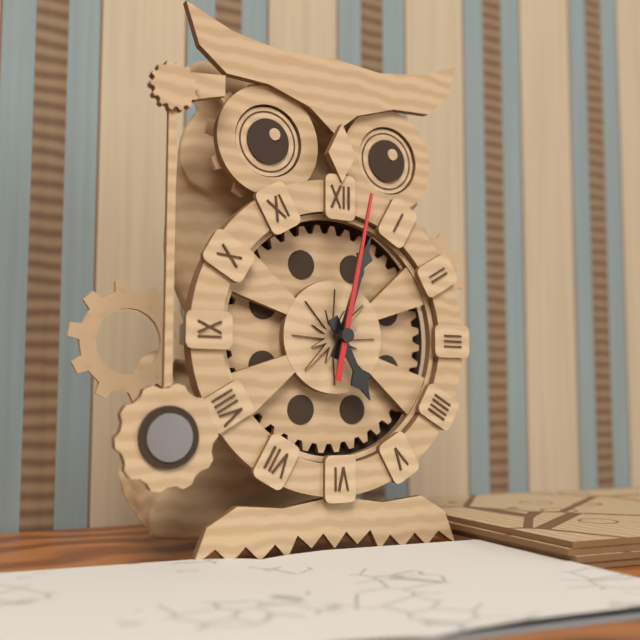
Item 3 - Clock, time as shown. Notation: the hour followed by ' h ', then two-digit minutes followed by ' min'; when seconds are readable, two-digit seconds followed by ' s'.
5 h 03 min 02 s
